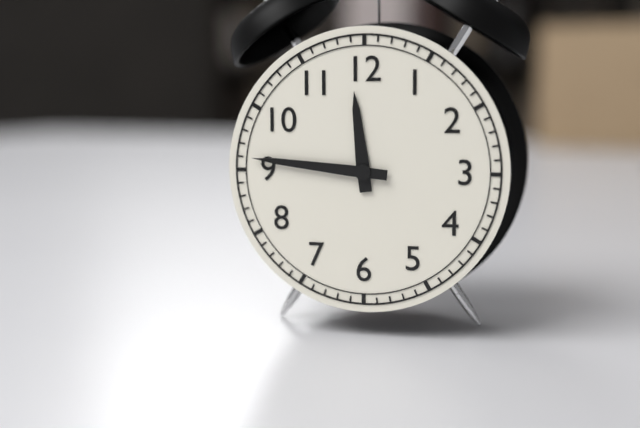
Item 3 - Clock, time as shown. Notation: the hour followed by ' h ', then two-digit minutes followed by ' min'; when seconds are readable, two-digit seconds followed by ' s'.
11 h 46 min
